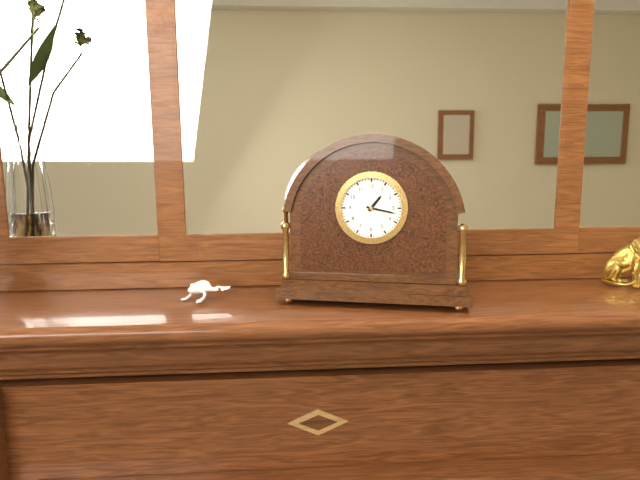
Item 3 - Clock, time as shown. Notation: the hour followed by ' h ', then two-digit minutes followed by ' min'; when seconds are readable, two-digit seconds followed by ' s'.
1 h 17 min
